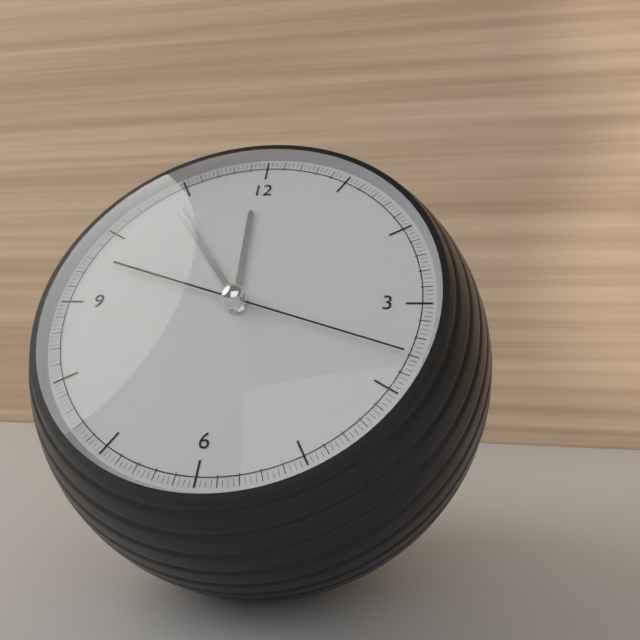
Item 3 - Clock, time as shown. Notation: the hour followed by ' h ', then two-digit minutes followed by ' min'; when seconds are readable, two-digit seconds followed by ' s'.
11 h 54 min 18 s
